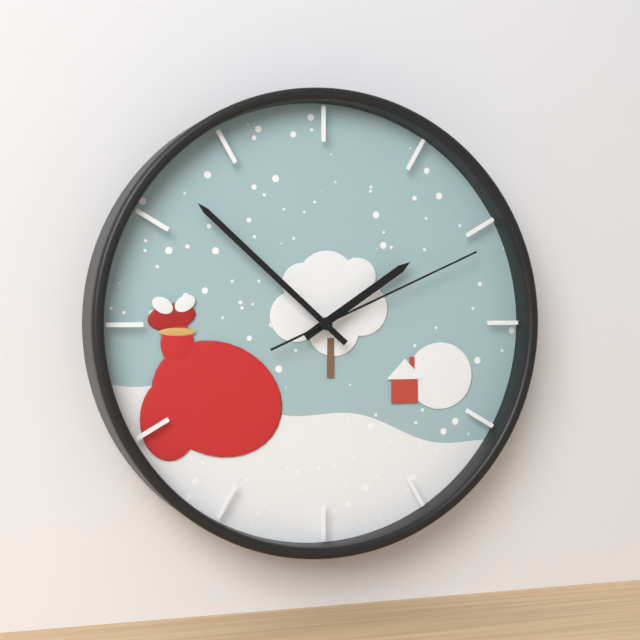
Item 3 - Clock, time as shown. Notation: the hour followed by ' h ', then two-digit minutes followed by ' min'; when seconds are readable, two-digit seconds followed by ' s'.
1 h 52 min 11 s
